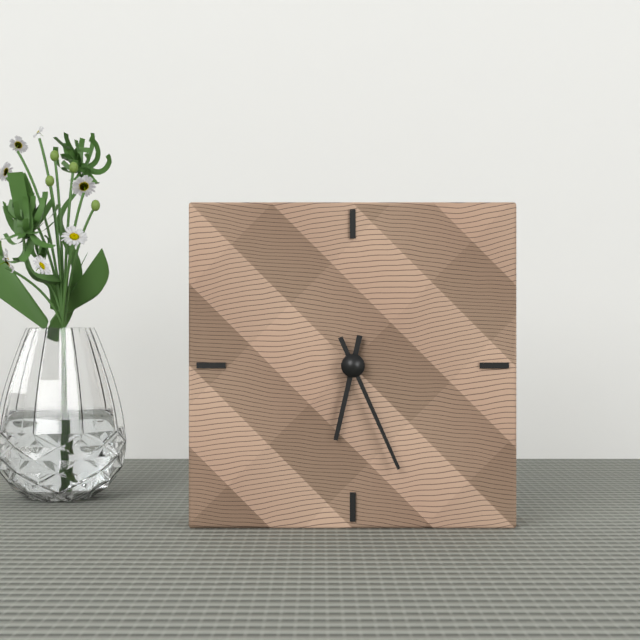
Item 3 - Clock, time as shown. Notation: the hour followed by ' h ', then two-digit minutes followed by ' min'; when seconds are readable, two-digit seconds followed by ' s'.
6 h 26 min
